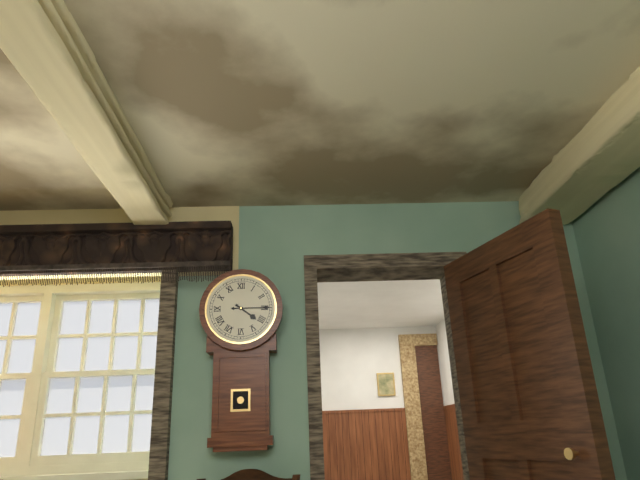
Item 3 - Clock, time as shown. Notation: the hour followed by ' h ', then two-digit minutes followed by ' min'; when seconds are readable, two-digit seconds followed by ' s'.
4 h 15 min
